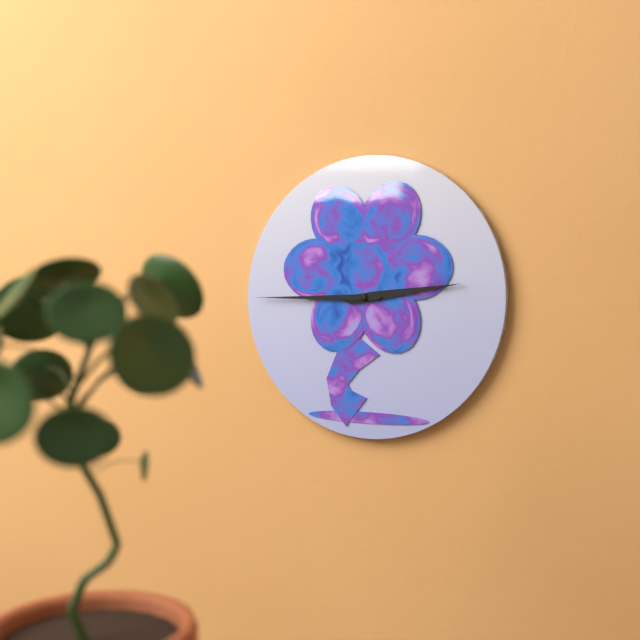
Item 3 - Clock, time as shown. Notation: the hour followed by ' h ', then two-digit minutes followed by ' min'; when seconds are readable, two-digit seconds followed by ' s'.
2 h 45 min
